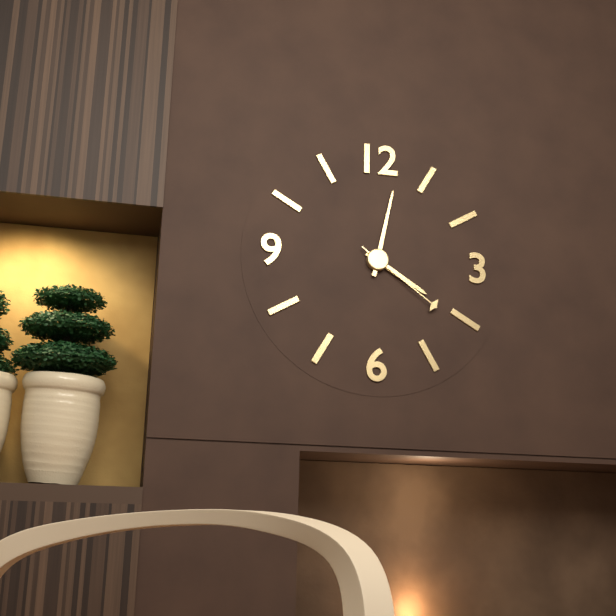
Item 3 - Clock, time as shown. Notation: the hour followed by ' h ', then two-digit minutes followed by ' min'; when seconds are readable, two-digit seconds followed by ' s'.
4 h 02 min 21 s
